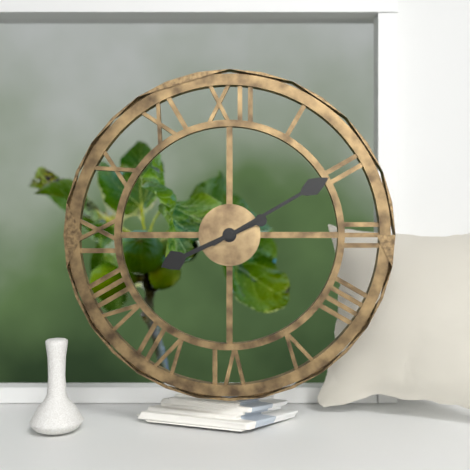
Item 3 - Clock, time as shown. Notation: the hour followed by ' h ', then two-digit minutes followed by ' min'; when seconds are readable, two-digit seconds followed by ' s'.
8 h 10 min
